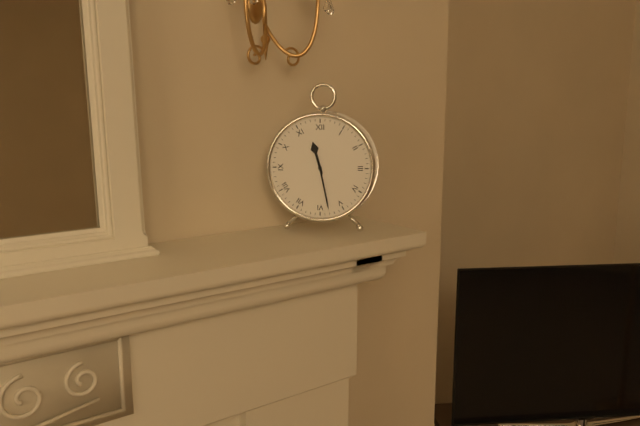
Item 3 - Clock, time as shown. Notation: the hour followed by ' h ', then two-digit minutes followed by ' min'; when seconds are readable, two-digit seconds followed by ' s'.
11 h 28 min
